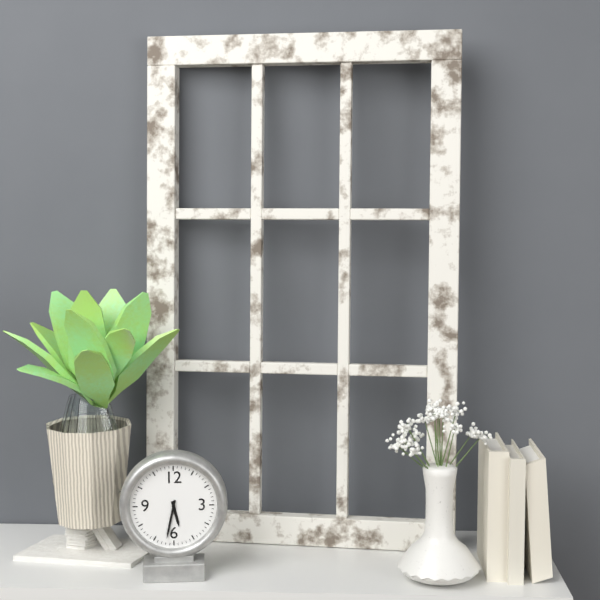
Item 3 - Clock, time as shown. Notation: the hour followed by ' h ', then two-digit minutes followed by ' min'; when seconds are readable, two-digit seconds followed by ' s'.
5 h 32 min
